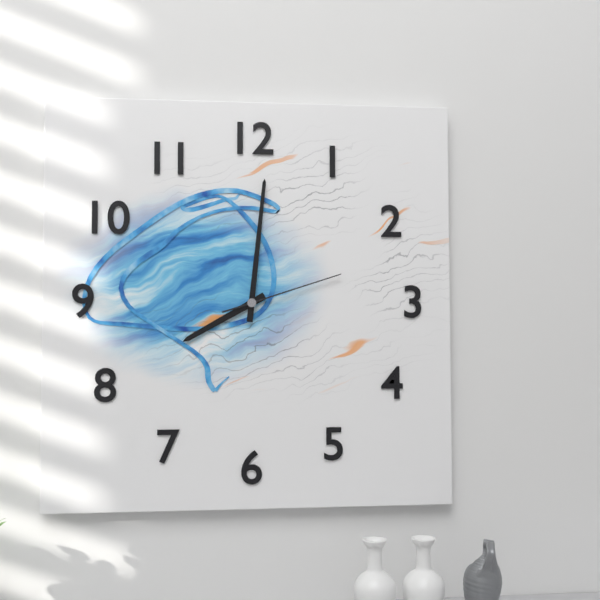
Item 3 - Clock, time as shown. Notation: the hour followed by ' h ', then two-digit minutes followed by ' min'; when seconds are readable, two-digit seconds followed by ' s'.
8 h 01 min 12 s
